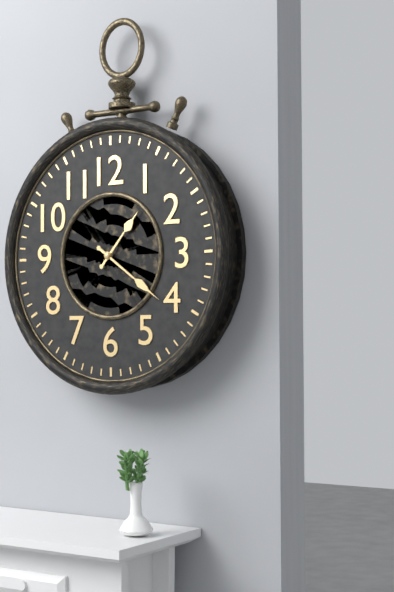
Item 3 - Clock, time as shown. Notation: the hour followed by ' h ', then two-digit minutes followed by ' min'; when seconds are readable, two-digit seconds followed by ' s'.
1 h 21 min
